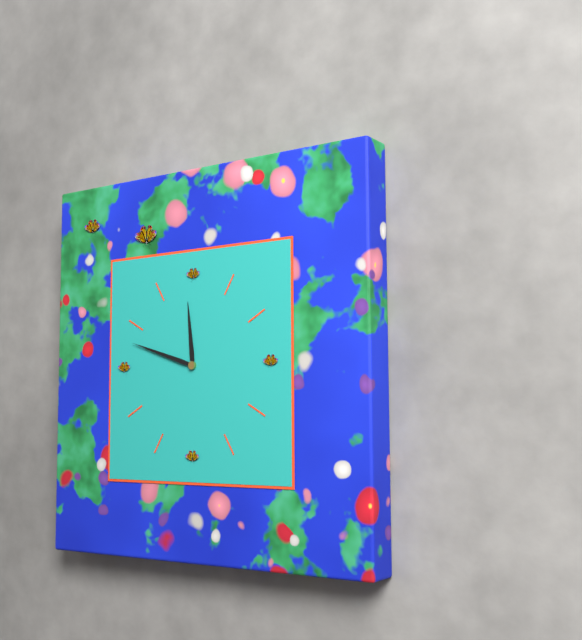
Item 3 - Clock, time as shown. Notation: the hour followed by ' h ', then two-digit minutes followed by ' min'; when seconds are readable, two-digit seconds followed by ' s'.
11 h 48 min
